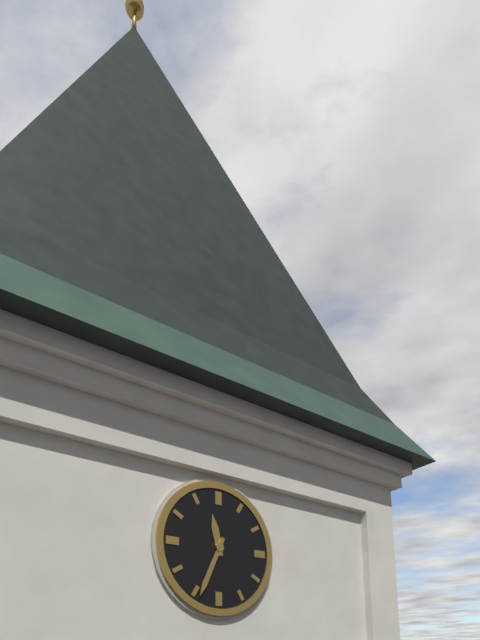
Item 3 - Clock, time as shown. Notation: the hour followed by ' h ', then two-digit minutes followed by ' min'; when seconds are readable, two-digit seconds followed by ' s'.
11 h 34 min
